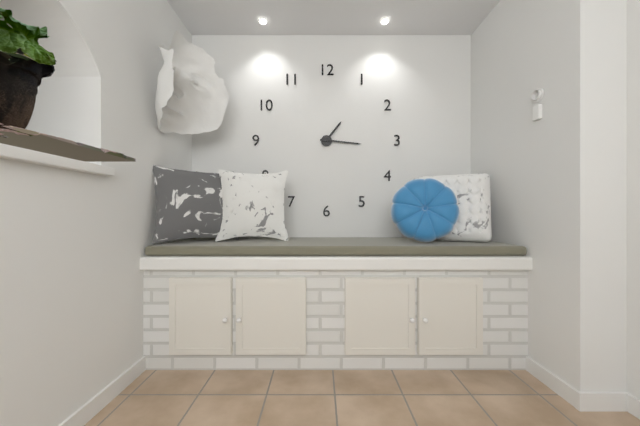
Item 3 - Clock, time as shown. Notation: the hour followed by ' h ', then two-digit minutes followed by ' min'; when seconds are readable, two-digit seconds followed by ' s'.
1 h 16 min
